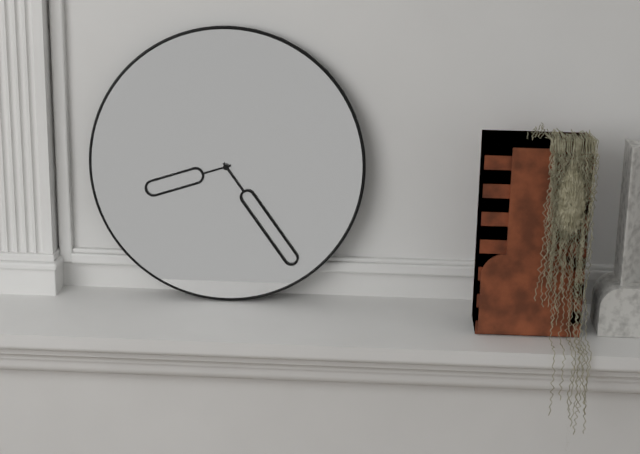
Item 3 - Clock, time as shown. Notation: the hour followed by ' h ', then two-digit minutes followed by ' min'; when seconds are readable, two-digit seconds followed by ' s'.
8 h 24 min
